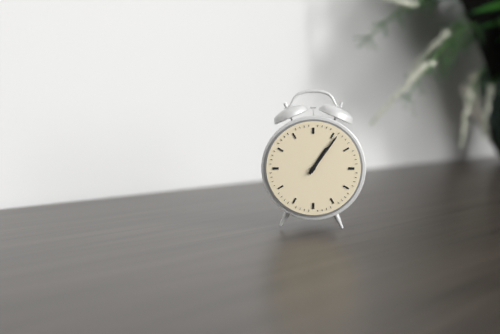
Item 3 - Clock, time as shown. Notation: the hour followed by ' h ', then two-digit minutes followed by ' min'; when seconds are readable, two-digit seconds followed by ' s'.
1 h 06 min
